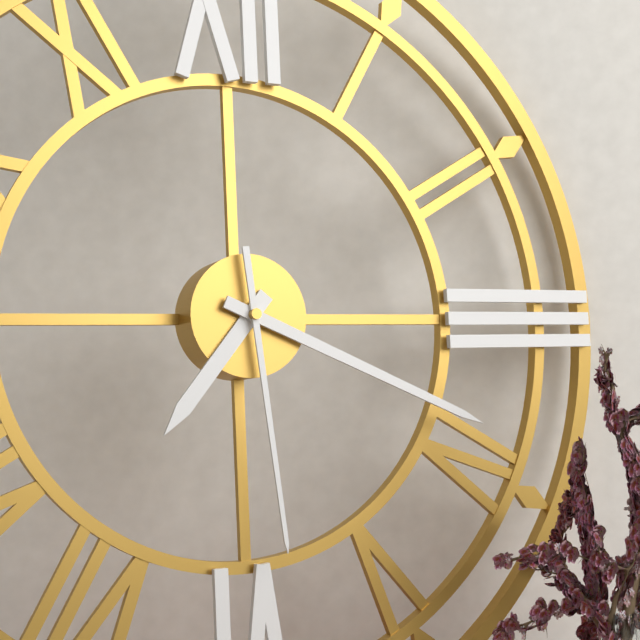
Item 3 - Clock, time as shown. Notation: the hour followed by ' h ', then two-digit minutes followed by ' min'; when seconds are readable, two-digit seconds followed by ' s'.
7 h 19 min 29 s
